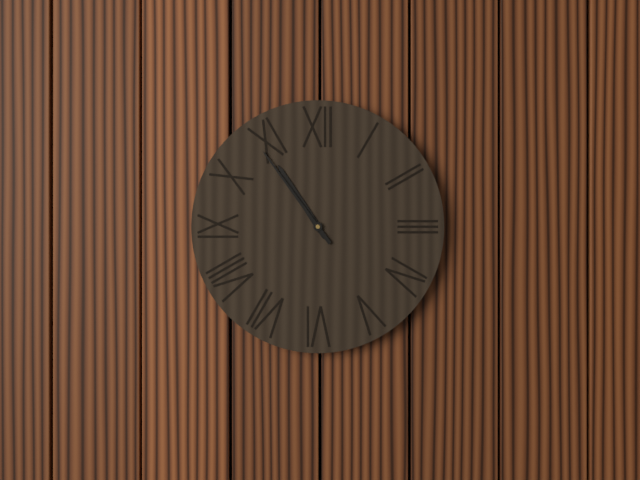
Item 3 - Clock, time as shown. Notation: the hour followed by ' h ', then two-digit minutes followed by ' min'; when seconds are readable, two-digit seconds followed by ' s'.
10 h 54 min
